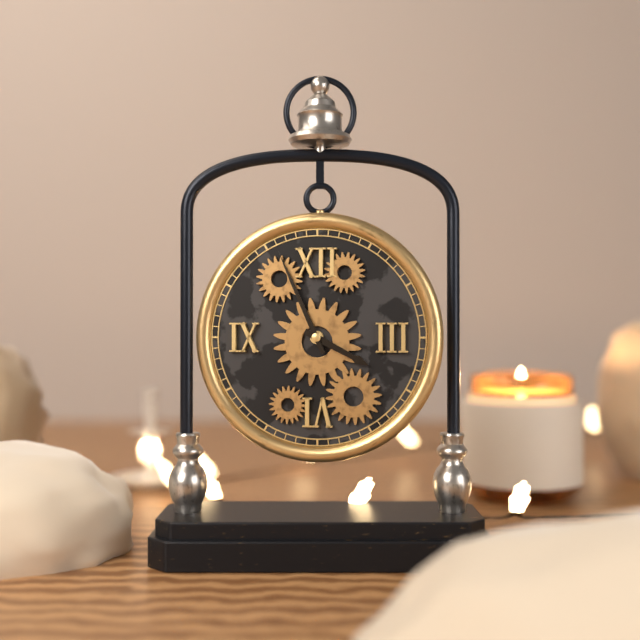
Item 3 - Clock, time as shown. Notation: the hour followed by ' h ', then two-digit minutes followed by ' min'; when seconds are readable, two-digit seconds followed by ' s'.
3 h 56 min
